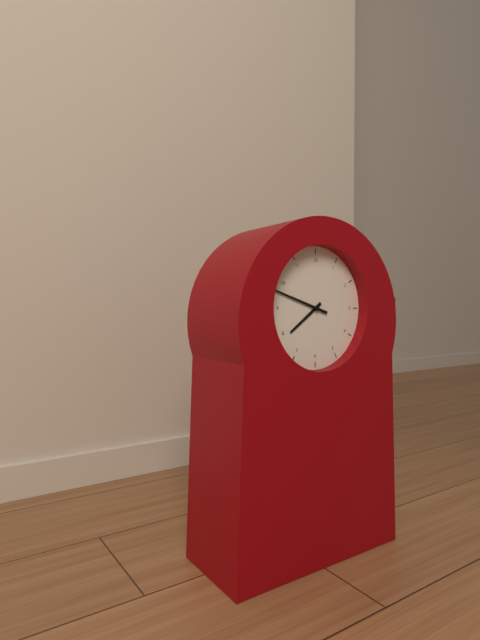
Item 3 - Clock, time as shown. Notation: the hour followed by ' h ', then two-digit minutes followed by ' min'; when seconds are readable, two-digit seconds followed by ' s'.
7 h 48 min
